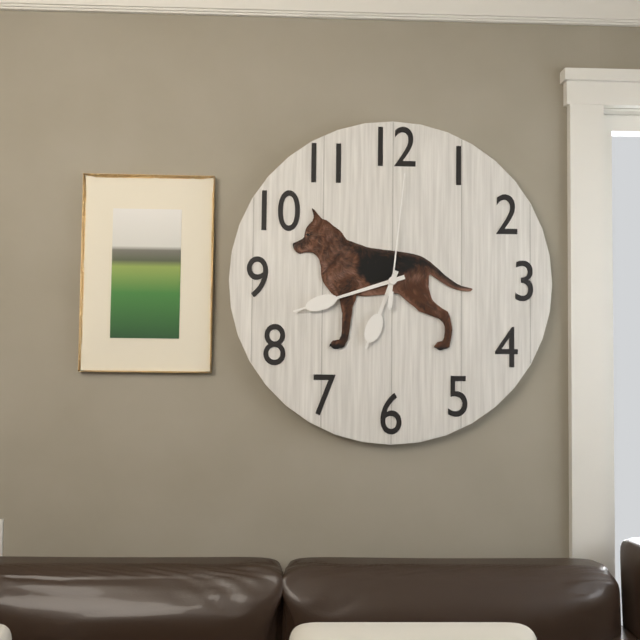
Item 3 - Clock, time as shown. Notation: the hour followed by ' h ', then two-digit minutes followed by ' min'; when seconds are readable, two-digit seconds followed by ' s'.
6 h 42 min 01 s
